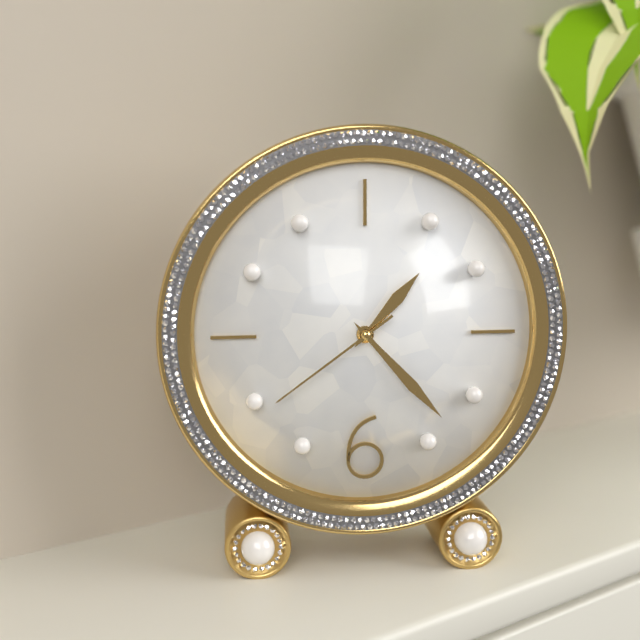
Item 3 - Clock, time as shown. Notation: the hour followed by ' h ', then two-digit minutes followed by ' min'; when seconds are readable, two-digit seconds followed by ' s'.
1 h 23 min 39 s
